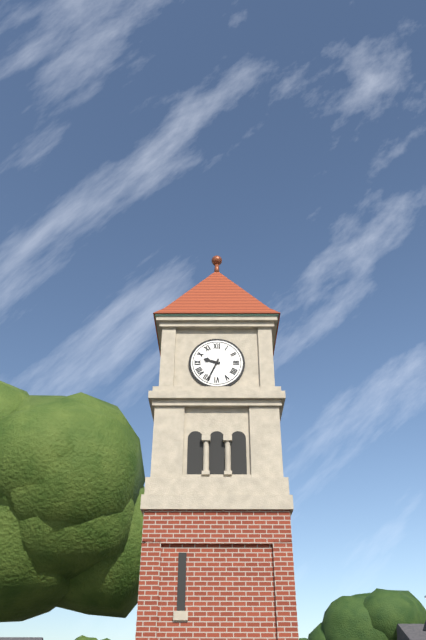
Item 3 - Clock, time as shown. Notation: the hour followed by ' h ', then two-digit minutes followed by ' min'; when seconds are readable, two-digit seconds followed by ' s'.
9 h 34 min
